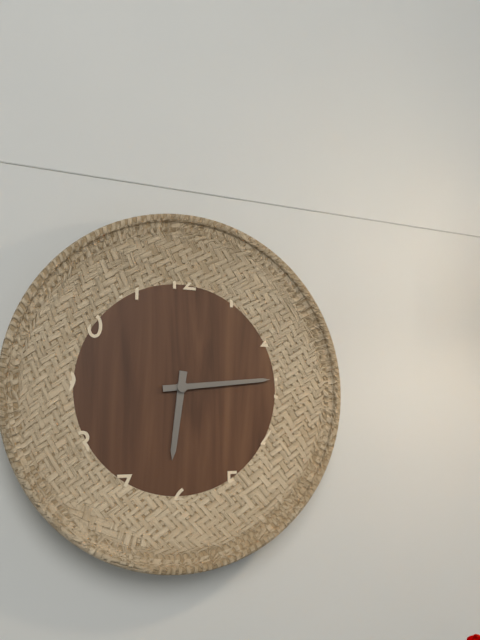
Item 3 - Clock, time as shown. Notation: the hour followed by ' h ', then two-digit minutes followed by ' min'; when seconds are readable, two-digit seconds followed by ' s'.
6 h 14 min
